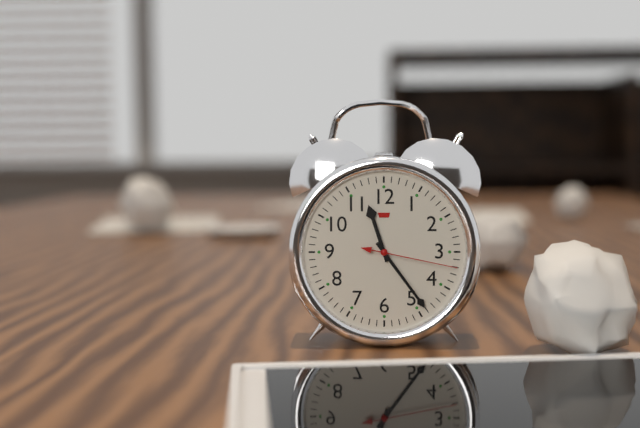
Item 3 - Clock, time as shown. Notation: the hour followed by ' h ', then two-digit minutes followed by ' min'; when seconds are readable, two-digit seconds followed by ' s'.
11 h 24 min 17 s
